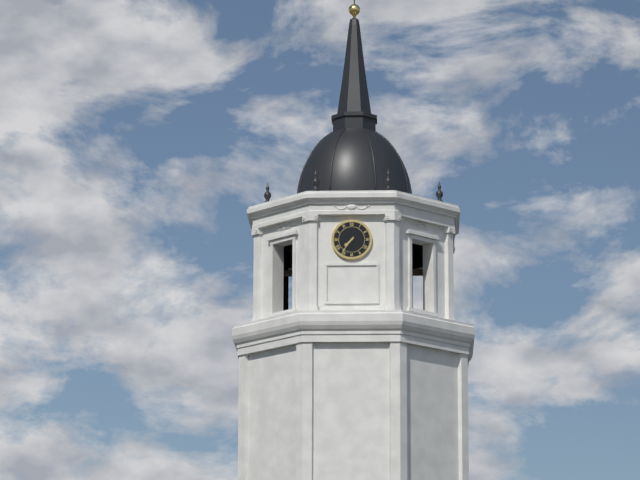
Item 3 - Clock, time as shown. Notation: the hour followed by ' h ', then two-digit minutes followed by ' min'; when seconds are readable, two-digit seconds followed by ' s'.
7 h 36 min
